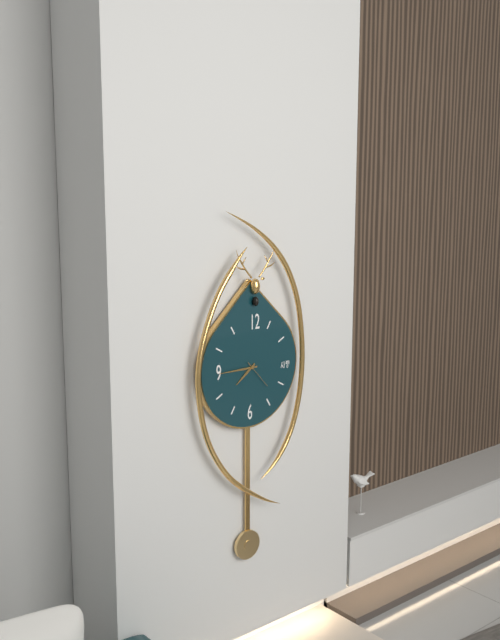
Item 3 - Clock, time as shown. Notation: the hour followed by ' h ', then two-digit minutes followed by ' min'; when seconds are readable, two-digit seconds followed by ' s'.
7 h 45 min
